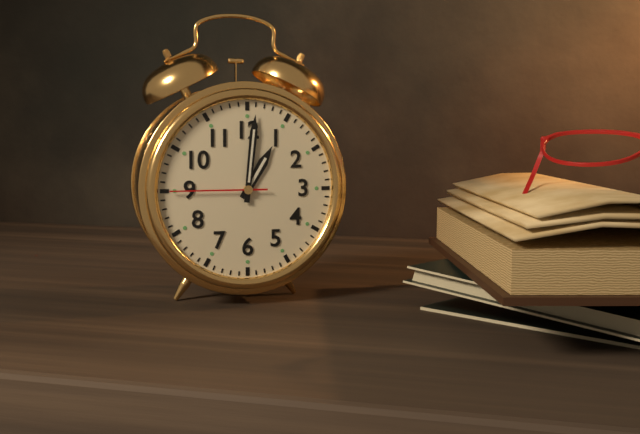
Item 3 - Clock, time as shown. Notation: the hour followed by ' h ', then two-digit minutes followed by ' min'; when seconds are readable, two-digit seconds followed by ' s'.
1 h 01 min 45 s
